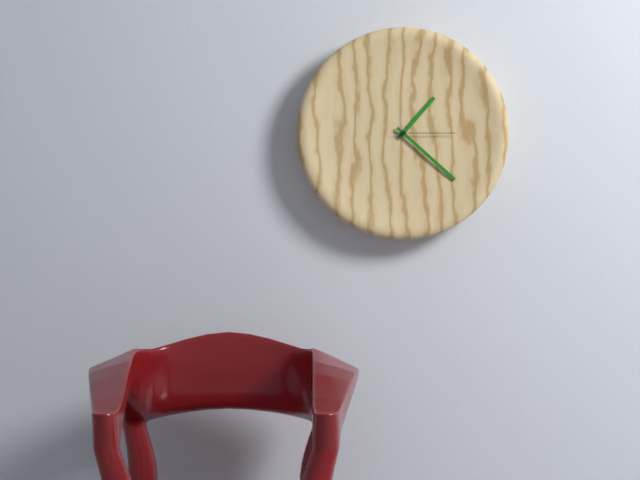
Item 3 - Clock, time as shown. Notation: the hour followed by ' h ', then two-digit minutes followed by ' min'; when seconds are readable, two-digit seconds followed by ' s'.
1 h 22 min 15 s
